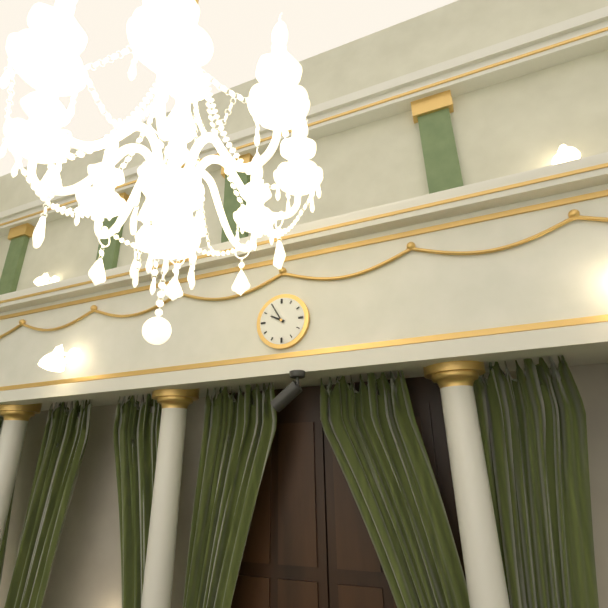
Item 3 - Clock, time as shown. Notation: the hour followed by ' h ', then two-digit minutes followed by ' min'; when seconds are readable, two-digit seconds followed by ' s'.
9 h 55 min
